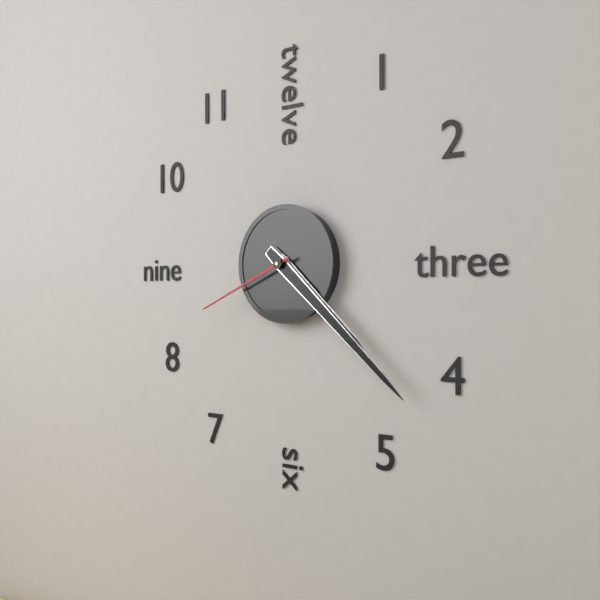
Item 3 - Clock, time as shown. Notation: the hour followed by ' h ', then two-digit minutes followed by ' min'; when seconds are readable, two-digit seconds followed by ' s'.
4 h 22 min 41 s
